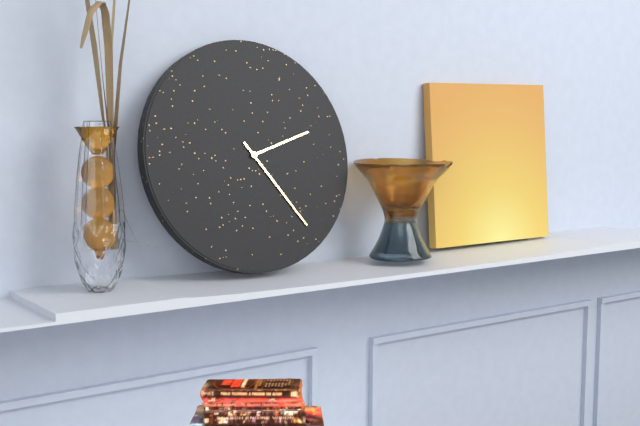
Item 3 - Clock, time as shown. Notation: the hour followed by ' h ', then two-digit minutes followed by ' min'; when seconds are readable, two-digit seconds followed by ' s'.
2 h 24 min
